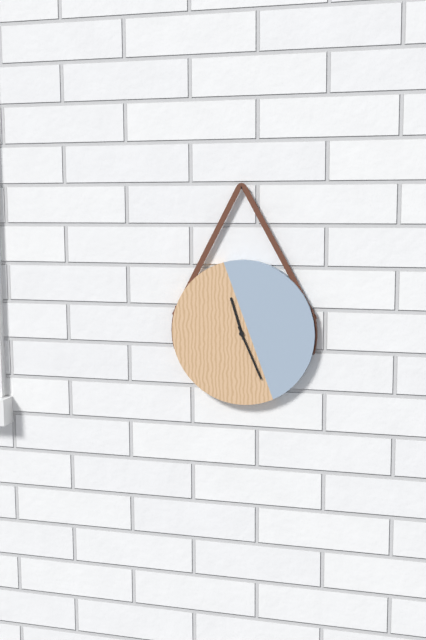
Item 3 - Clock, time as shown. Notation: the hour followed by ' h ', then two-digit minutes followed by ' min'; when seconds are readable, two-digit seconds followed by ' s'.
11 h 26 min
